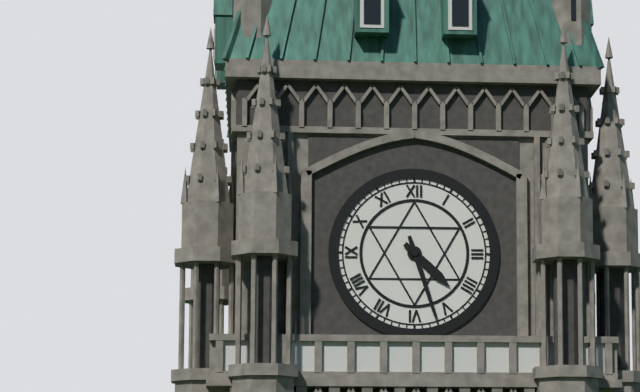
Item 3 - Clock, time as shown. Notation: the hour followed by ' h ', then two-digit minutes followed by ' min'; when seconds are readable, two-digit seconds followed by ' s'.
4 h 27 min
